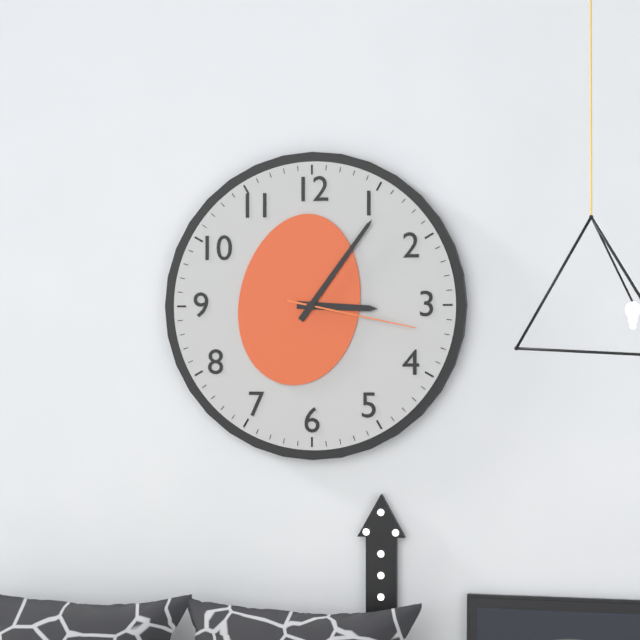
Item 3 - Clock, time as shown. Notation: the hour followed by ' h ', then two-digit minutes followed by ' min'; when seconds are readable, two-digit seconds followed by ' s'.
3 h 06 min 17 s
